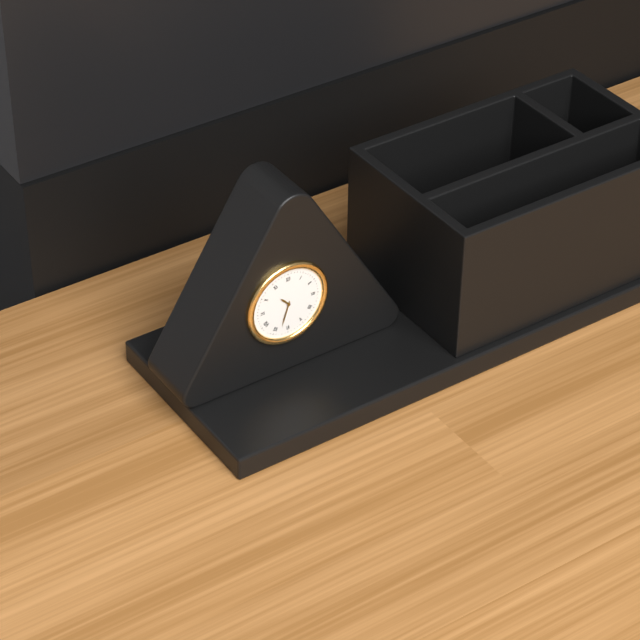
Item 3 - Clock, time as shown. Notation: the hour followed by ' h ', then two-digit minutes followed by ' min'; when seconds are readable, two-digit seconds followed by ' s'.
10 h 33 min
